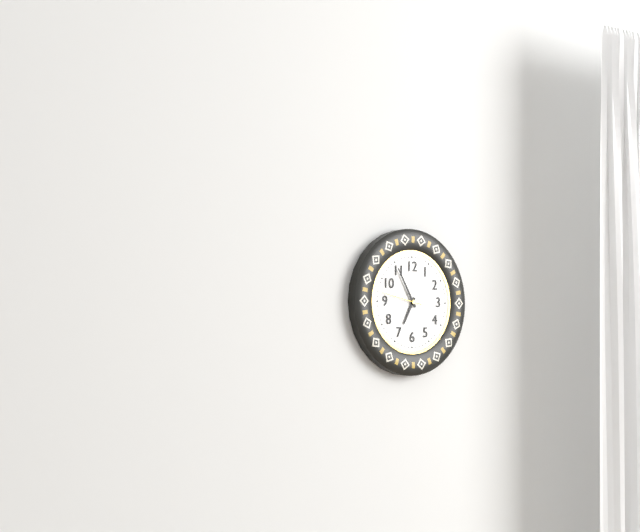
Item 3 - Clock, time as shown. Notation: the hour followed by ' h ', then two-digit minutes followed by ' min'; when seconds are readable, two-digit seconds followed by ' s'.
6 h 55 min
